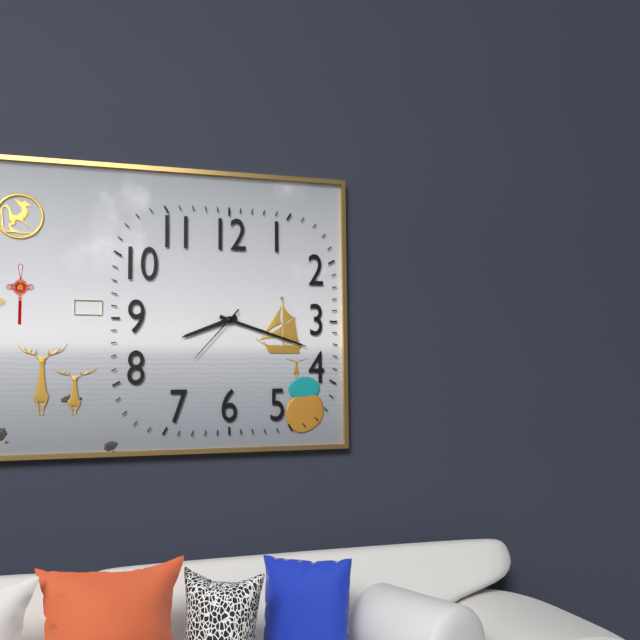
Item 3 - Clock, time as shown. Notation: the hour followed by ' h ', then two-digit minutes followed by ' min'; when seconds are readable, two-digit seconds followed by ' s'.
8 h 18 min 37 s
